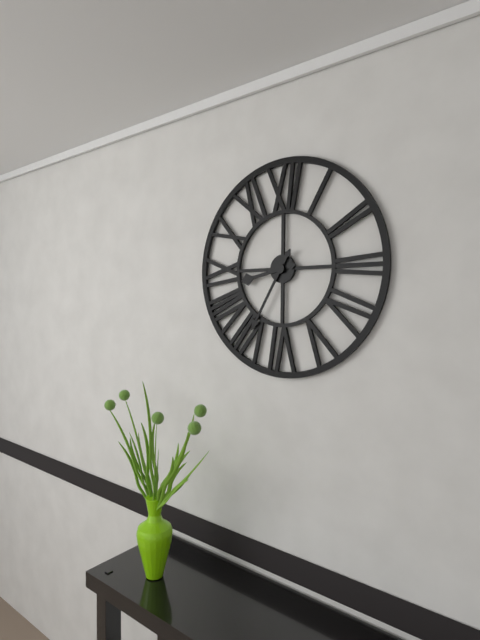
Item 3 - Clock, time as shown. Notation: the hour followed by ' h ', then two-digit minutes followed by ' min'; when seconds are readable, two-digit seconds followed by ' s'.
8 h 35 min
